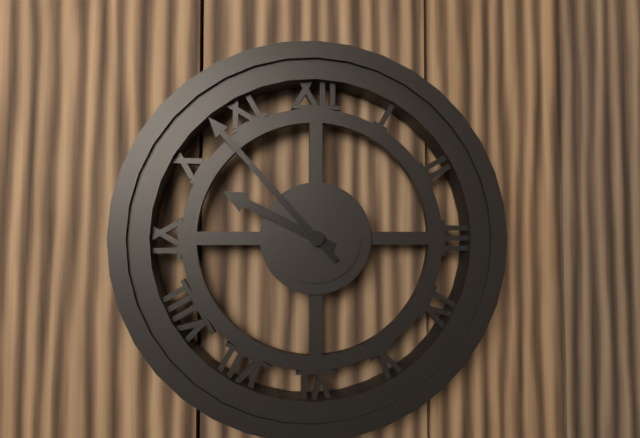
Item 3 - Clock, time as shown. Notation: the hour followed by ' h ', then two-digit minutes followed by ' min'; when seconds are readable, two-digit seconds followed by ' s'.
9 h 53 min
